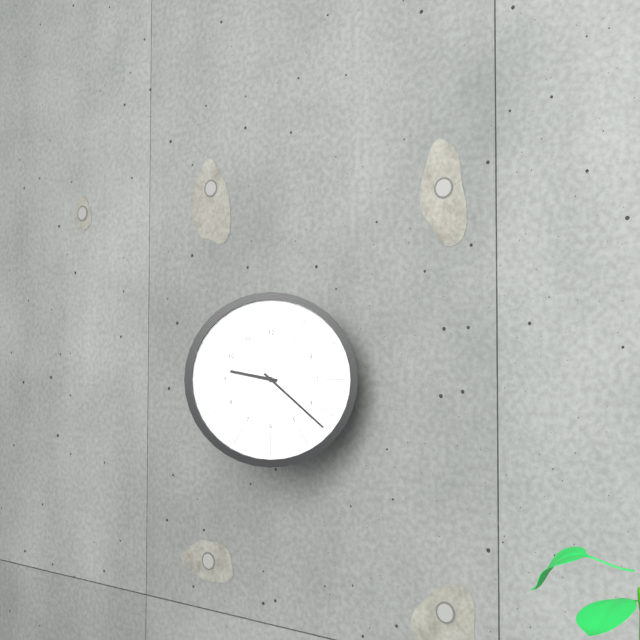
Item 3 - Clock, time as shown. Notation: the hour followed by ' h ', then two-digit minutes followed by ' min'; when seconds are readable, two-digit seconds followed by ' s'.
9 h 22 min
